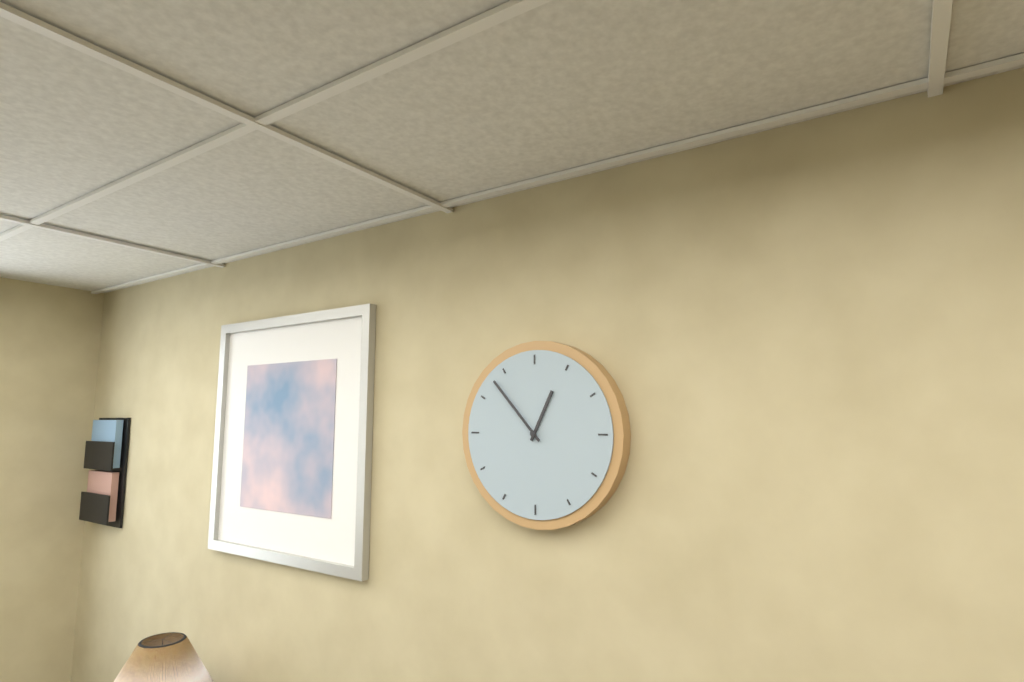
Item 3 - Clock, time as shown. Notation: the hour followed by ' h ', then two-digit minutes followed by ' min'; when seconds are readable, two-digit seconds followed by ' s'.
12 h 53 min
